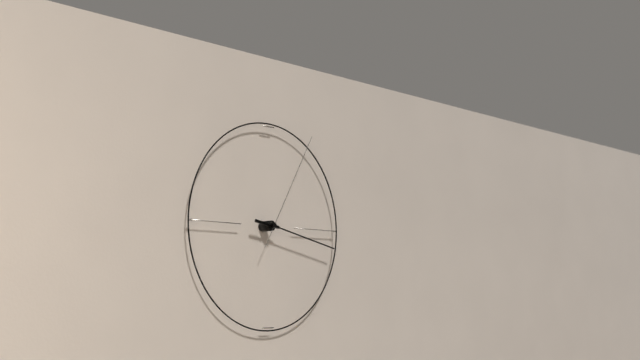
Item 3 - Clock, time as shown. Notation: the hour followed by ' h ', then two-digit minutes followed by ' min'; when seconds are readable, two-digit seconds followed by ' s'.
9 h 17 min 05 s
